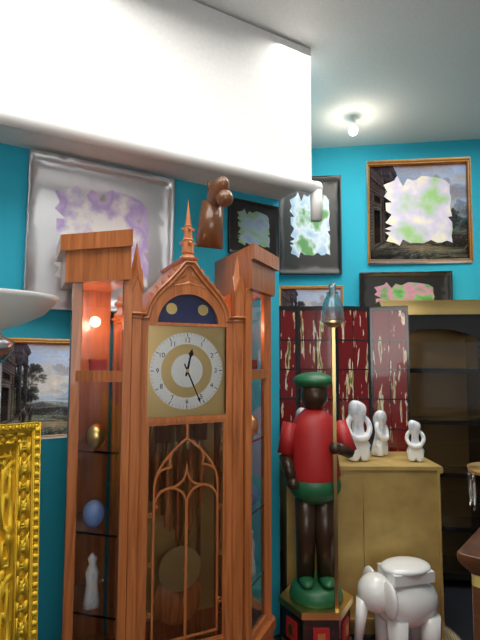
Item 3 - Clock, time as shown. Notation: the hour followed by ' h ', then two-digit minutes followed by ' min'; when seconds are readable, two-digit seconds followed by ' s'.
12 h 26 min
